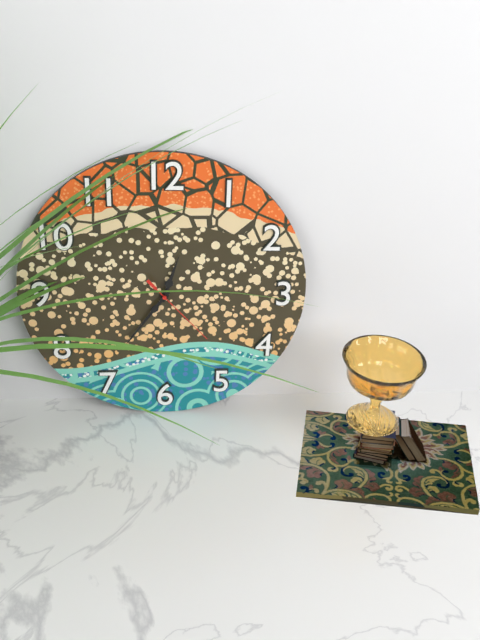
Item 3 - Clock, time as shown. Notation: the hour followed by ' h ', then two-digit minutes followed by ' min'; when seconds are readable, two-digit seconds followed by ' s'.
12 h 36 min 23 s
